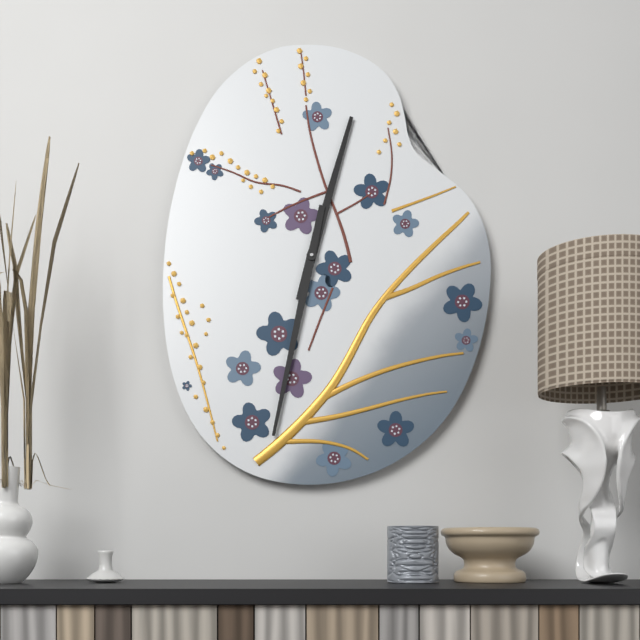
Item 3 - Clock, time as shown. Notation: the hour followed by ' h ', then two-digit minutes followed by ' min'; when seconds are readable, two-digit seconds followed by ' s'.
12 h 32 min
